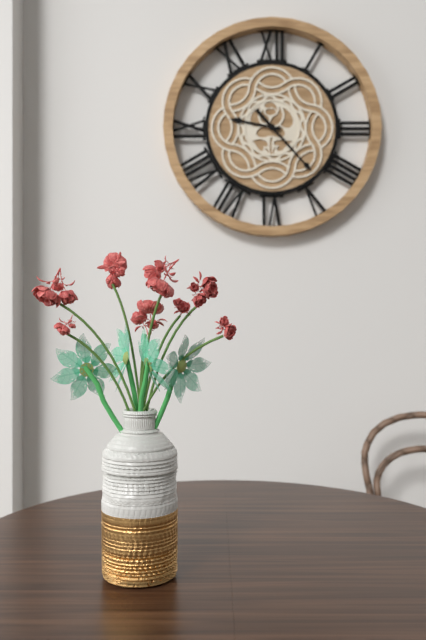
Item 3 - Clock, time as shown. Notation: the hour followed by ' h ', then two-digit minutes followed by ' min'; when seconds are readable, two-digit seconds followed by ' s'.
9 h 23 min
